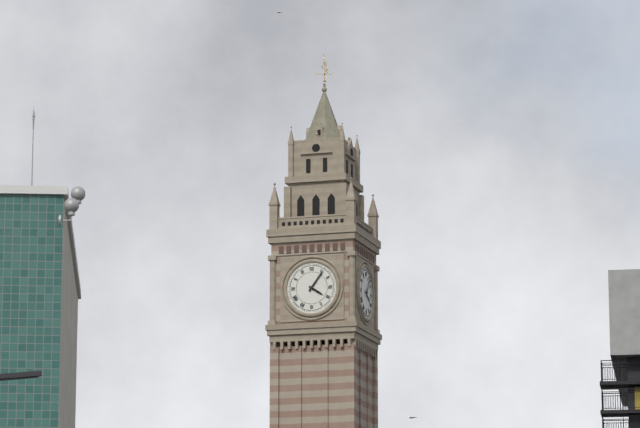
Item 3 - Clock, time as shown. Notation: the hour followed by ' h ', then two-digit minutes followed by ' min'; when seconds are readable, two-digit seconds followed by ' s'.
4 h 06 min
